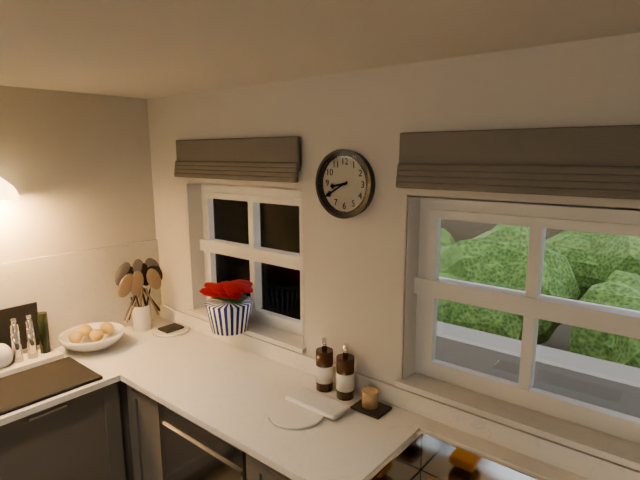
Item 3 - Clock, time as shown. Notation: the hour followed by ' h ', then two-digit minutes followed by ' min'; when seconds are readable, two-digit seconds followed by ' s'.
8 h 40 min
